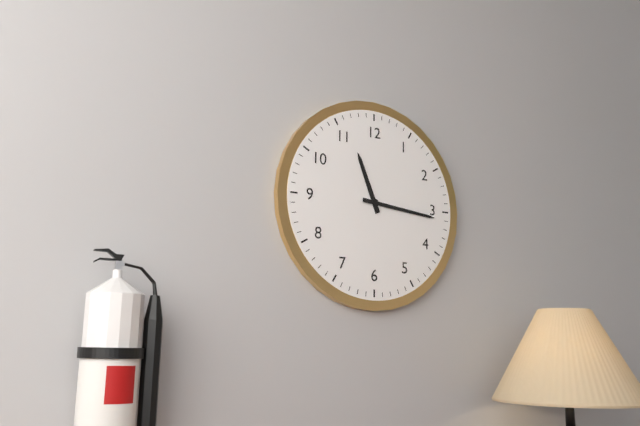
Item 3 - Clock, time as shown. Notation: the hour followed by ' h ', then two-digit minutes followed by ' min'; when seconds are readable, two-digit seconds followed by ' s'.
11 h 16 min
